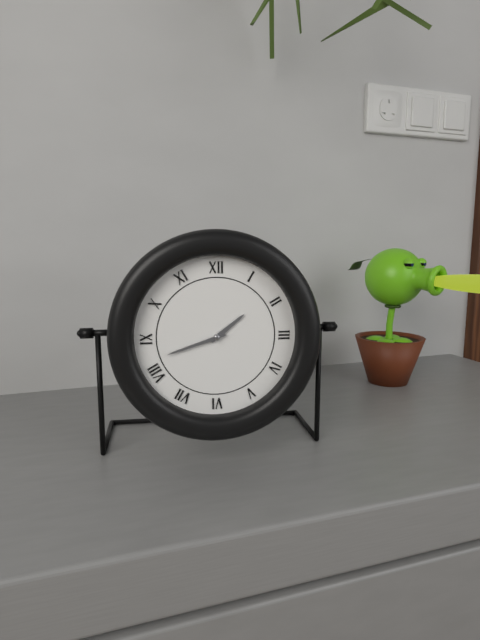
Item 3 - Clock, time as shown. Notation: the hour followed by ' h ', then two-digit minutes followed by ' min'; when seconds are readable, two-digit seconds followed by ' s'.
1 h 42 min
